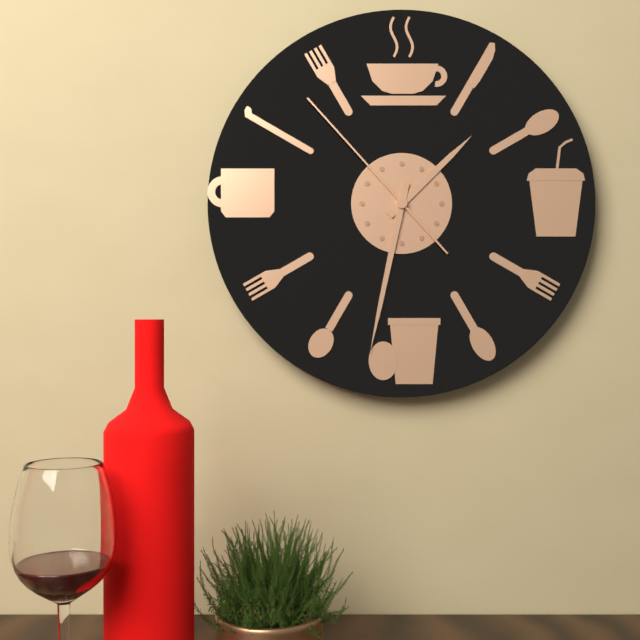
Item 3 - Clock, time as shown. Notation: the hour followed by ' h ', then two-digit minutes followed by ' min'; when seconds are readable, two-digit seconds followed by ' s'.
1 h 32 min 53 s
